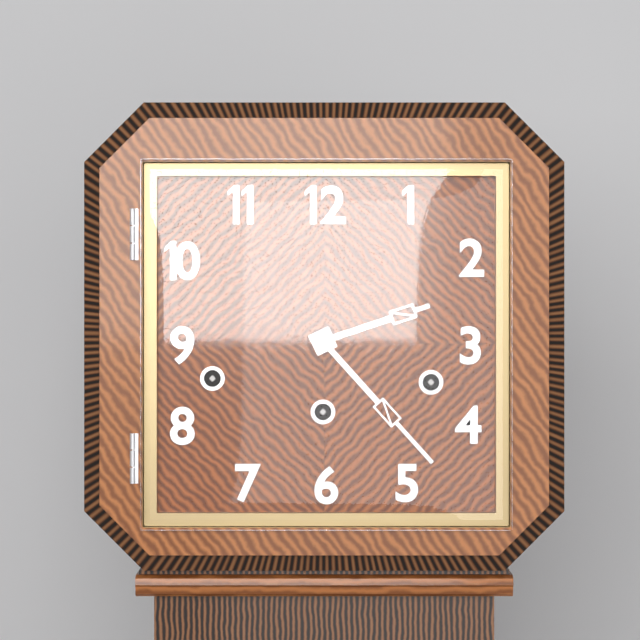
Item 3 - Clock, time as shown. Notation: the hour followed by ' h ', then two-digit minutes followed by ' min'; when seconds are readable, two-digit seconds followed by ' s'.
2 h 23 min
